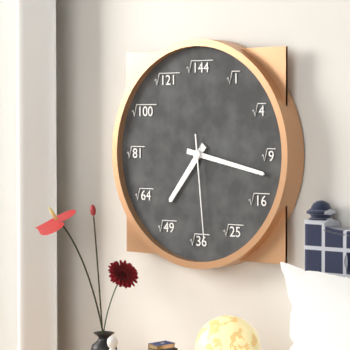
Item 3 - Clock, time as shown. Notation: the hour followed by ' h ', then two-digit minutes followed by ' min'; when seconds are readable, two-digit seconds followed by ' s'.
7 h 17 min 29 s
